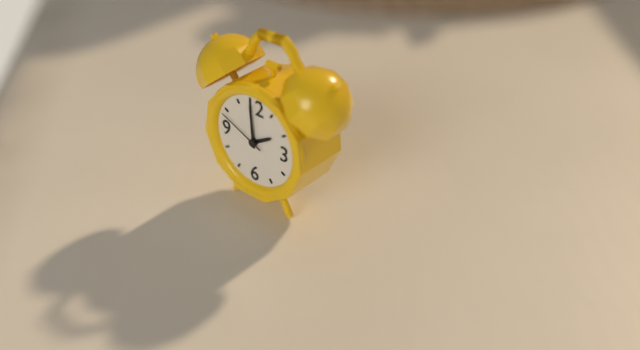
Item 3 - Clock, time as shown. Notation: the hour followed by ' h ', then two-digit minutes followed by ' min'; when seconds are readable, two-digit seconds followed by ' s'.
1 h 59 min 49 s
